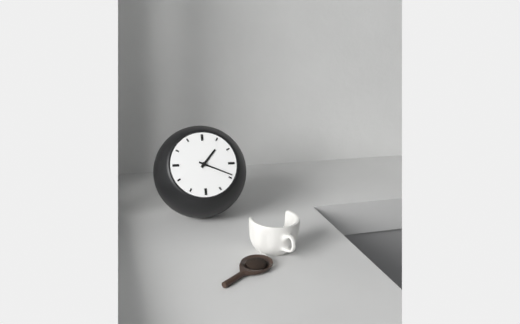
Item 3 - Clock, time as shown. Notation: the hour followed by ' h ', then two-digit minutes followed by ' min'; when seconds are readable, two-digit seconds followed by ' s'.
1 h 19 min
